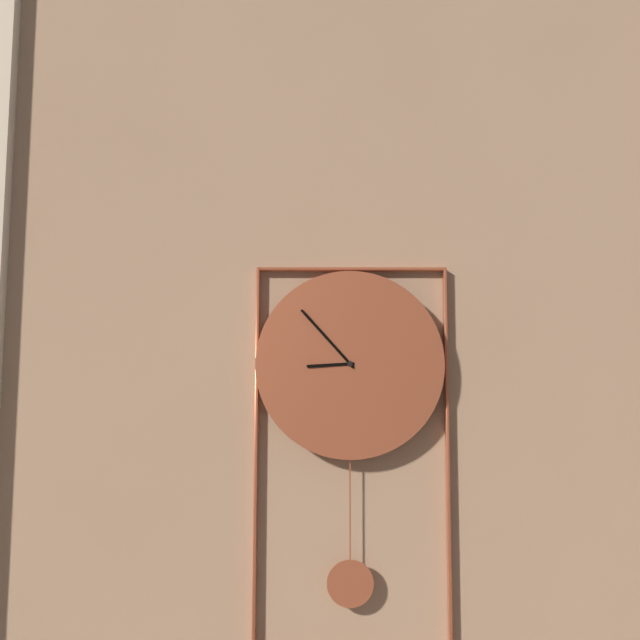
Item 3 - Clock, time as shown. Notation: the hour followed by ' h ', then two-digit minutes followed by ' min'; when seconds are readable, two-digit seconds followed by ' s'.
8 h 53 min
